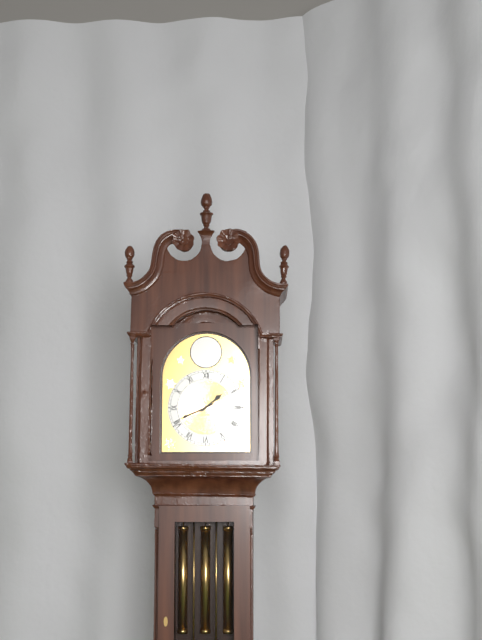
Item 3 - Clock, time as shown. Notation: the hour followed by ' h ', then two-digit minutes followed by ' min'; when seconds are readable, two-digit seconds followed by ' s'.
1 h 41 min
